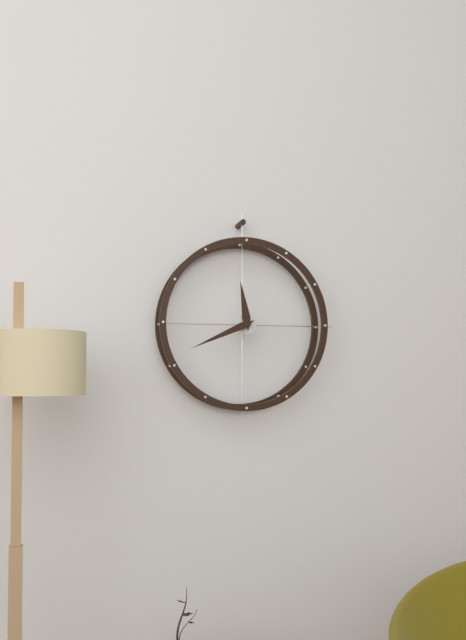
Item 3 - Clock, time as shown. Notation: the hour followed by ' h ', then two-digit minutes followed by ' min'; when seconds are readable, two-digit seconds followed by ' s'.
11 h 41 min
